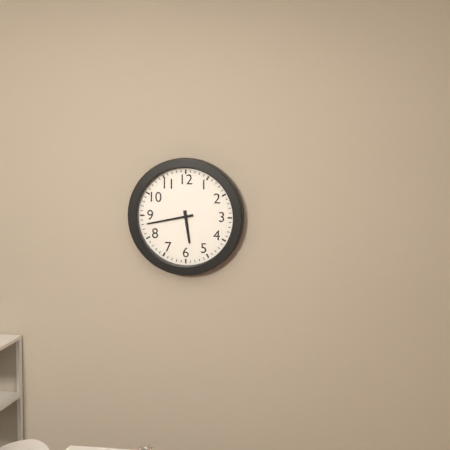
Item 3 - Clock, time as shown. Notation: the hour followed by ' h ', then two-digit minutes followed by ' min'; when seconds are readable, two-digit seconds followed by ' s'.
5 h 43 min
